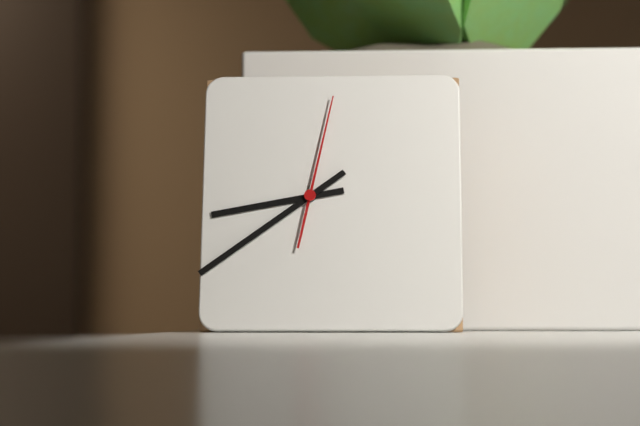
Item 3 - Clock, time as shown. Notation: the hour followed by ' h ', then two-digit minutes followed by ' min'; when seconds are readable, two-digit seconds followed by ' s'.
8 h 39 min 02 s
